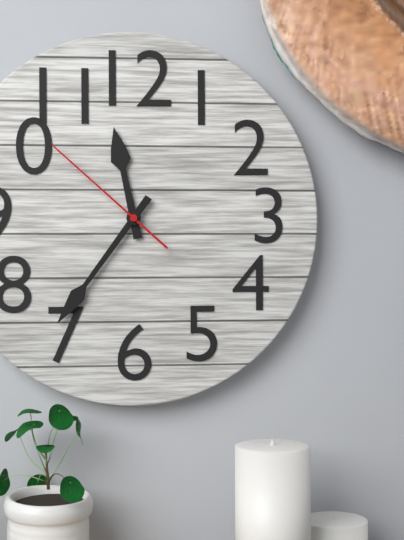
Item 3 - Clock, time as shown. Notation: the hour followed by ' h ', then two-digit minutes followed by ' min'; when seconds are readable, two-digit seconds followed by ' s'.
11 h 36 min 52 s
